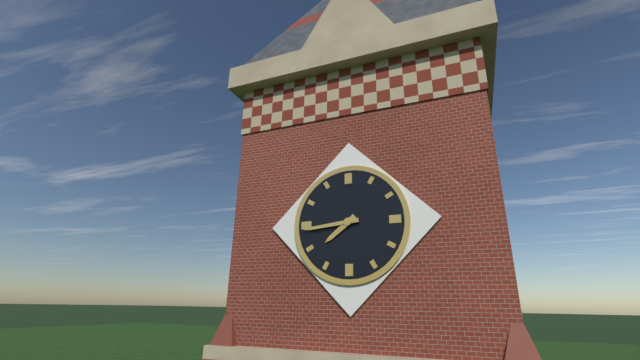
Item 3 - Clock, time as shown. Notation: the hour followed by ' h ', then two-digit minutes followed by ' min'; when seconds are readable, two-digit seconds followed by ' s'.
7 h 44 min
